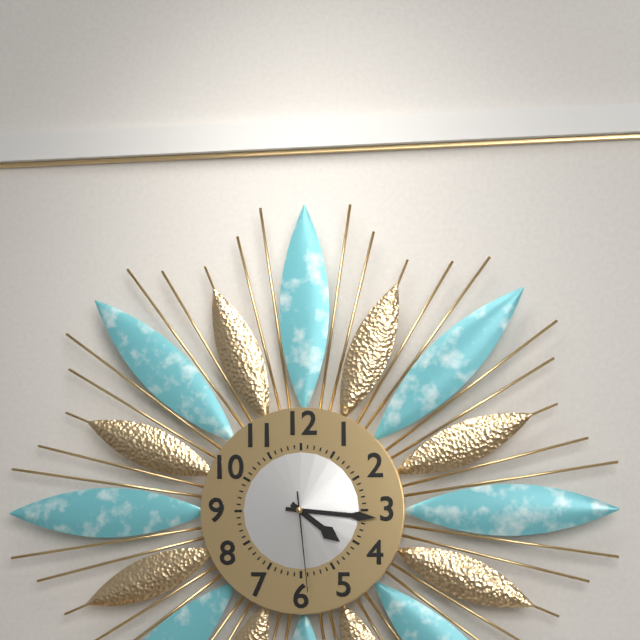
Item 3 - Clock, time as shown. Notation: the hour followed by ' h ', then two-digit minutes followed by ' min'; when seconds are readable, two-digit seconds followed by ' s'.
4 h 16 min 29 s
